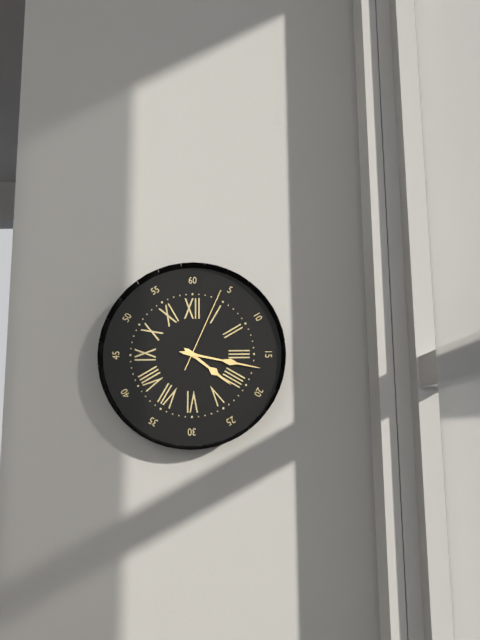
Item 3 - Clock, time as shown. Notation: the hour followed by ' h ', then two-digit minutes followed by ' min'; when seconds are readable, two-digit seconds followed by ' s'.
4 h 17 min 04 s
